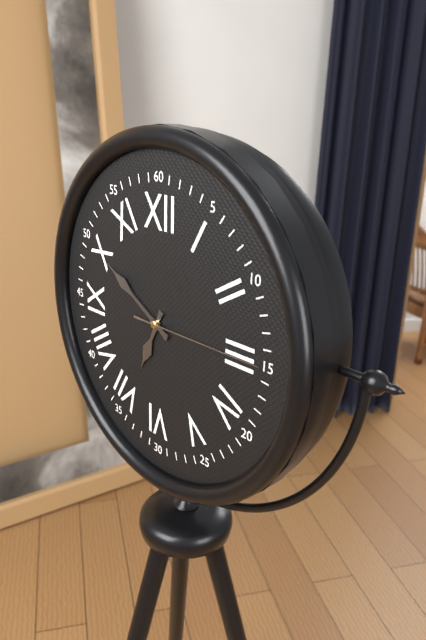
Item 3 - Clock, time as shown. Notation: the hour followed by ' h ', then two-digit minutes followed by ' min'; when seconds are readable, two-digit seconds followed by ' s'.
6 h 50 min 15 s
